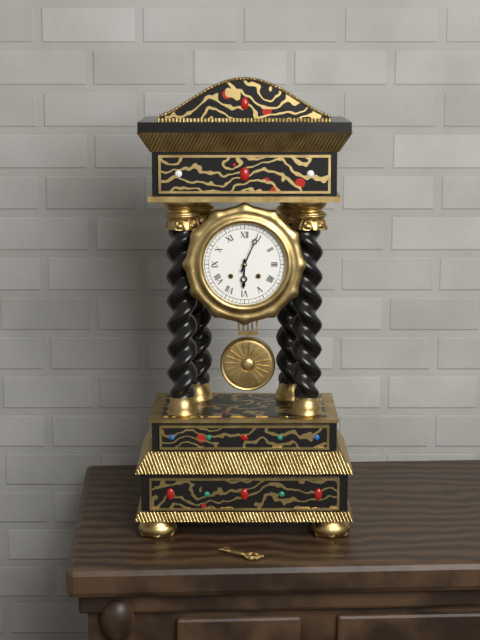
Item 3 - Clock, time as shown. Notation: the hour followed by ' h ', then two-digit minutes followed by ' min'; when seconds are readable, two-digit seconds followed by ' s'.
6 h 04 min
